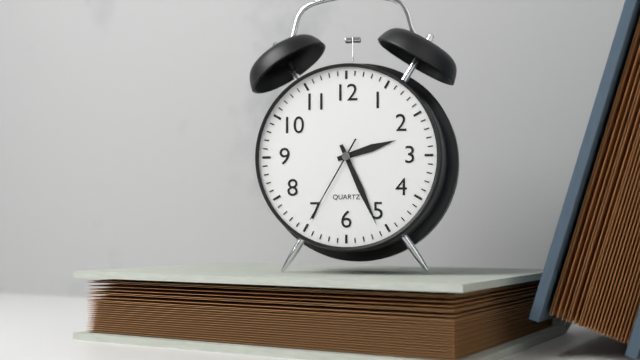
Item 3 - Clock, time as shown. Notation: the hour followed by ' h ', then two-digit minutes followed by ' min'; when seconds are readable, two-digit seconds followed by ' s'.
2 h 26 min 35 s
